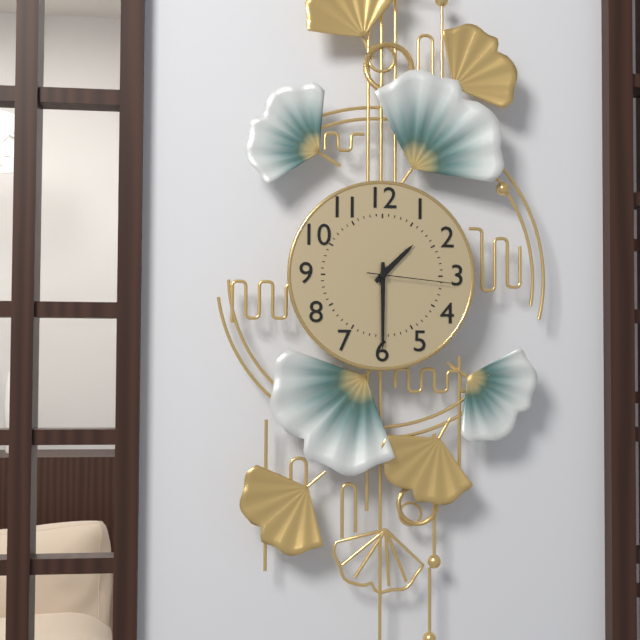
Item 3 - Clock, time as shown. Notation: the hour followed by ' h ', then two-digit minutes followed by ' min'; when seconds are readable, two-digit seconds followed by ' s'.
1 h 30 min 16 s
